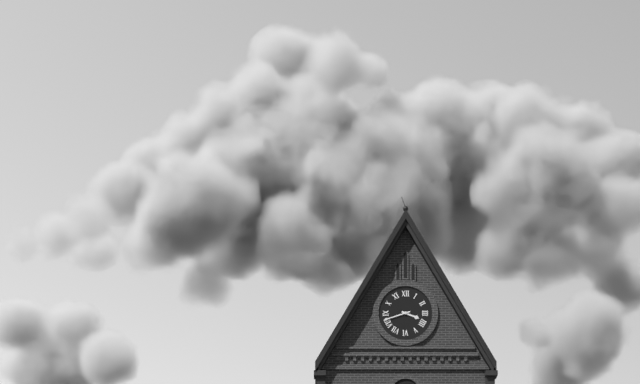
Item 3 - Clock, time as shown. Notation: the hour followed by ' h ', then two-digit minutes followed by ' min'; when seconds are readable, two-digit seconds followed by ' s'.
3 h 42 min
